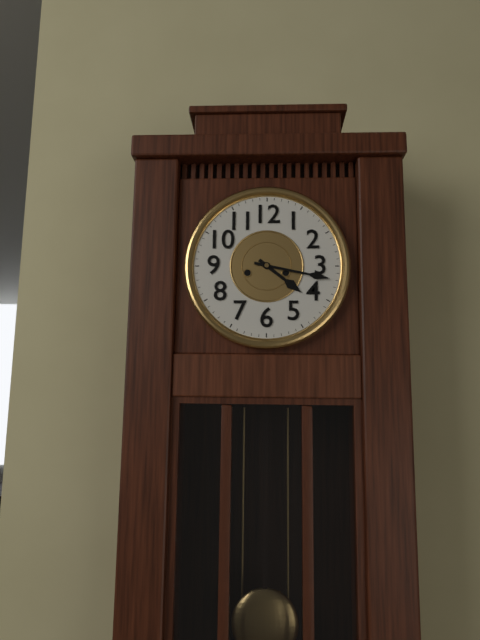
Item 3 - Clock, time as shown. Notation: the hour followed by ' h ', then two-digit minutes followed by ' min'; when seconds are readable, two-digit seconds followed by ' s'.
4 h 17 min
